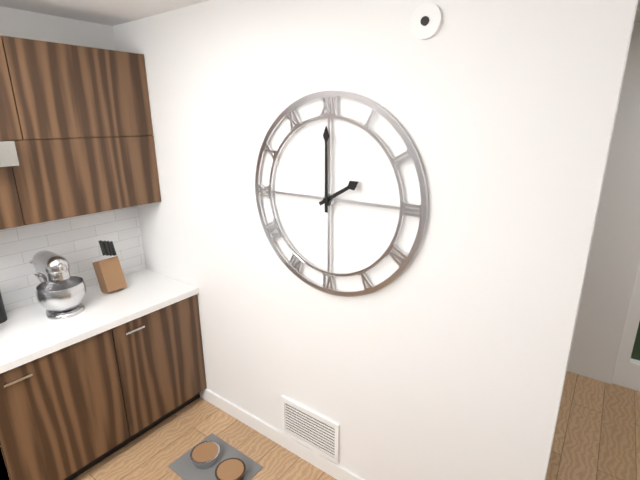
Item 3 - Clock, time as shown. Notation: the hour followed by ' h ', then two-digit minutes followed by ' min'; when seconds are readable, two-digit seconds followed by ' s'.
2 h 00 min
